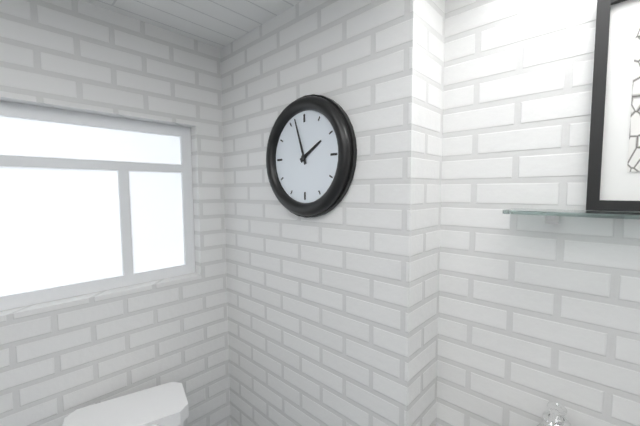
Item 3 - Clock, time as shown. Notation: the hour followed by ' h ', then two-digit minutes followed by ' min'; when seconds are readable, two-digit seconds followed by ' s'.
1 h 57 min
